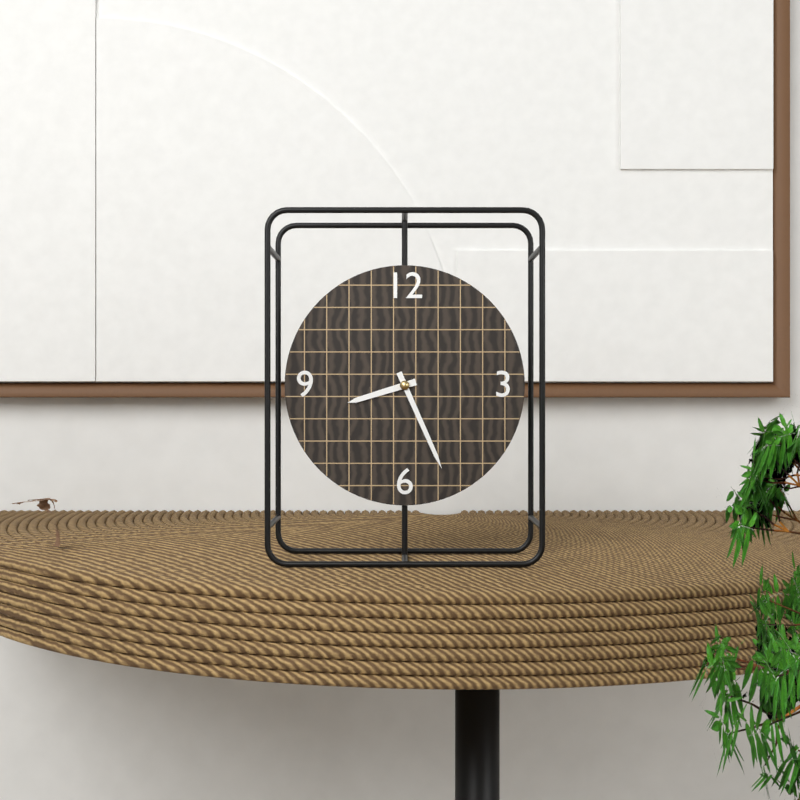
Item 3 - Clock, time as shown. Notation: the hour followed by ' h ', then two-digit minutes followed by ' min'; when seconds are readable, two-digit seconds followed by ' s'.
8 h 26 min
